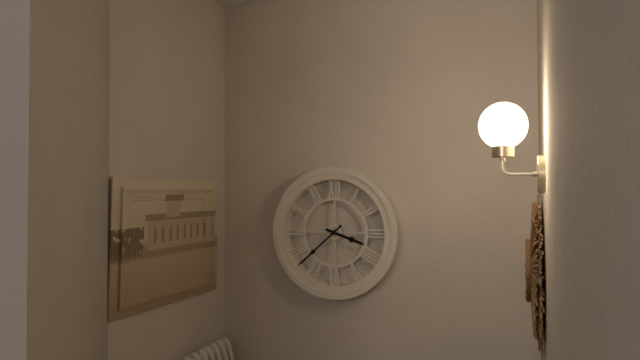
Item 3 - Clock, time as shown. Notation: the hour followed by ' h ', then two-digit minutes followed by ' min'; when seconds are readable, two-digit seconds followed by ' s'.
3 h 38 min
